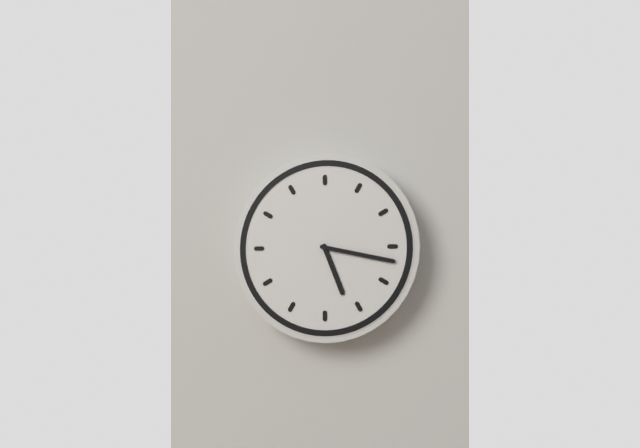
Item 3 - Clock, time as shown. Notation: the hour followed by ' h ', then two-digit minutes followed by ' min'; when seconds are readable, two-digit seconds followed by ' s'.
5 h 17 min
